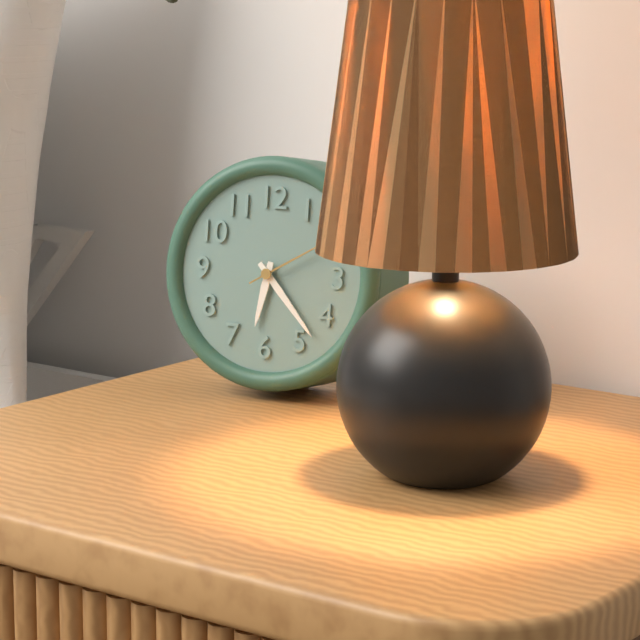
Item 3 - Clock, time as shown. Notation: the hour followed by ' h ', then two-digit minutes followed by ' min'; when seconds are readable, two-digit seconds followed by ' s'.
6 h 23 min
